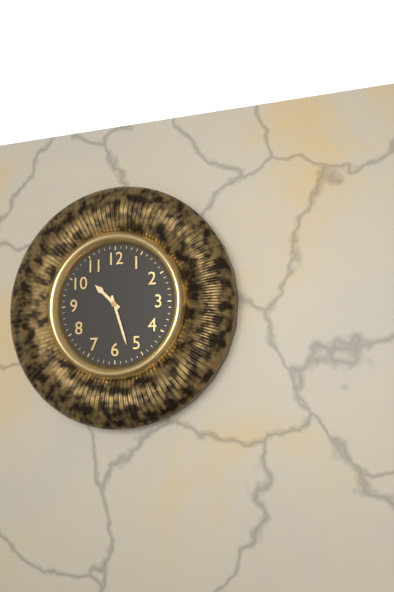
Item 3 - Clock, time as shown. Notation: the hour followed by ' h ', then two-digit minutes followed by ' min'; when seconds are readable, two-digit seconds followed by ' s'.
10 h 27 min
